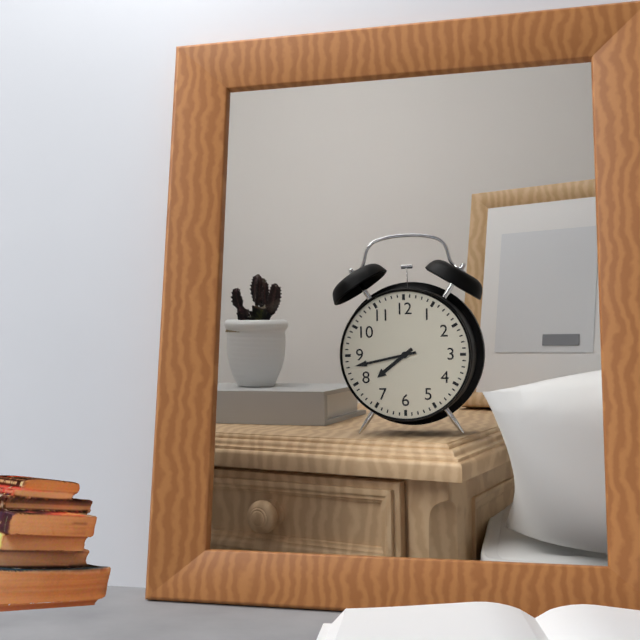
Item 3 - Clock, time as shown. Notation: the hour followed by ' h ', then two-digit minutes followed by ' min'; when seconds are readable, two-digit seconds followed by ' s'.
7 h 43 min
